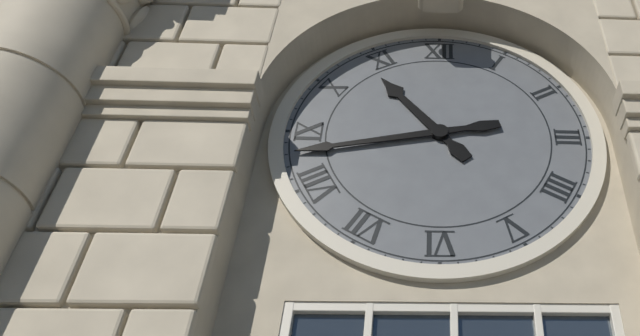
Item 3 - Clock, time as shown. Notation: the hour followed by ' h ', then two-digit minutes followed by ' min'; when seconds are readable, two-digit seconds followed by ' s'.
10 h 43 min
